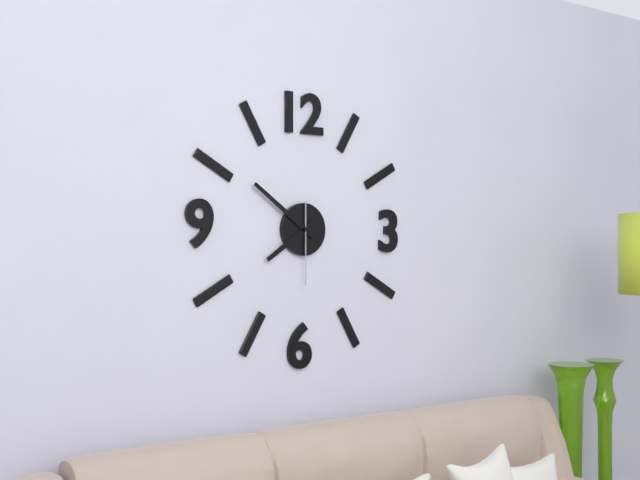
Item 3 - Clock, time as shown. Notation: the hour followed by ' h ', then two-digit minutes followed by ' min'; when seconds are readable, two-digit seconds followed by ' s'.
7 h 51 min 30 s
